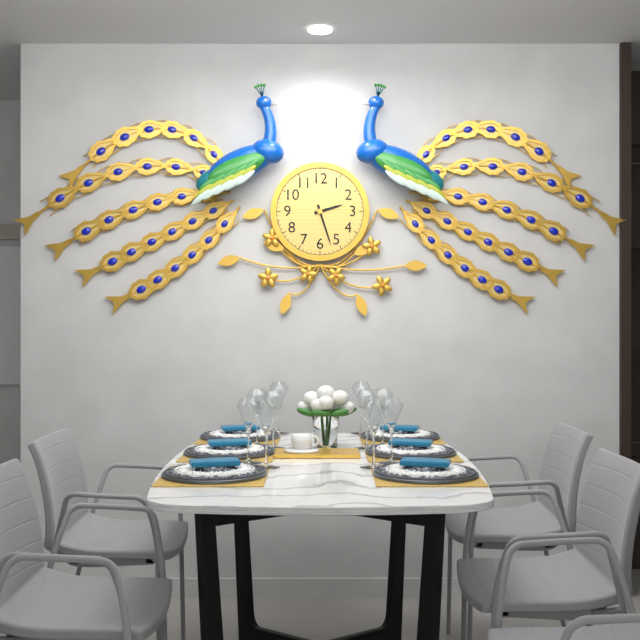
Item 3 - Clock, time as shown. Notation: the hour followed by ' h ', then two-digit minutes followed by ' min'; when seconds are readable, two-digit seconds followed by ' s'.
2 h 27 min
